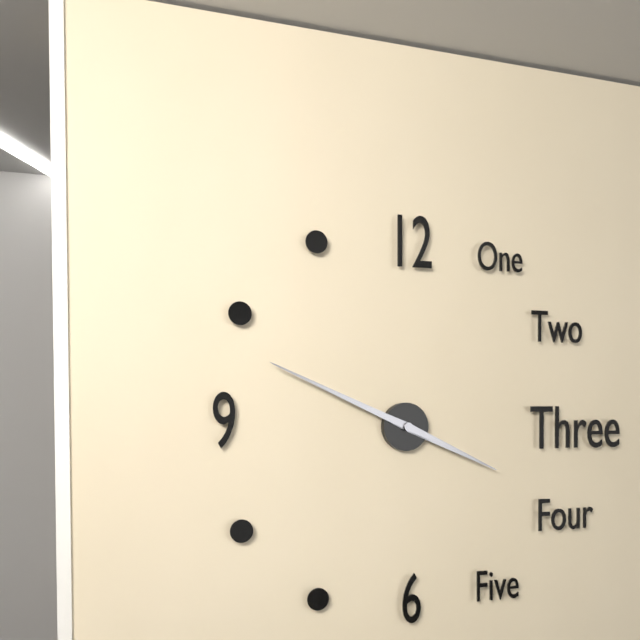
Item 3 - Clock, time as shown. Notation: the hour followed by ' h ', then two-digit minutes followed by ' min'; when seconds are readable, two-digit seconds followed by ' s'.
3 h 49 min
